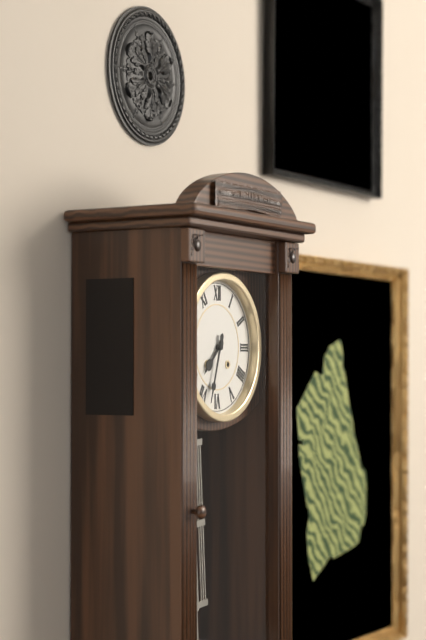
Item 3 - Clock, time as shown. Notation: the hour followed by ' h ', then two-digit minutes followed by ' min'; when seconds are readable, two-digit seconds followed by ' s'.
7 h 33 min
